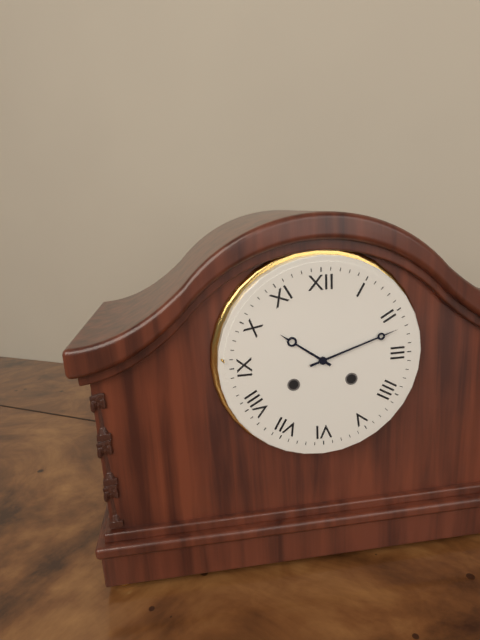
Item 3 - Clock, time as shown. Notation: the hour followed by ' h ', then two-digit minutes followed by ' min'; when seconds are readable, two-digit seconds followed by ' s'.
10 h 12 min
